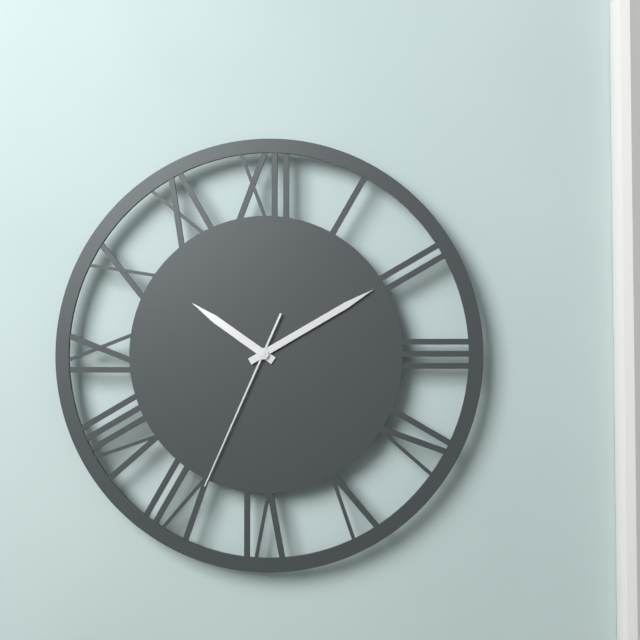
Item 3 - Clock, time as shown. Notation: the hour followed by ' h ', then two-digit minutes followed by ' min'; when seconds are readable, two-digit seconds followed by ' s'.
10 h 10 min 34 s
